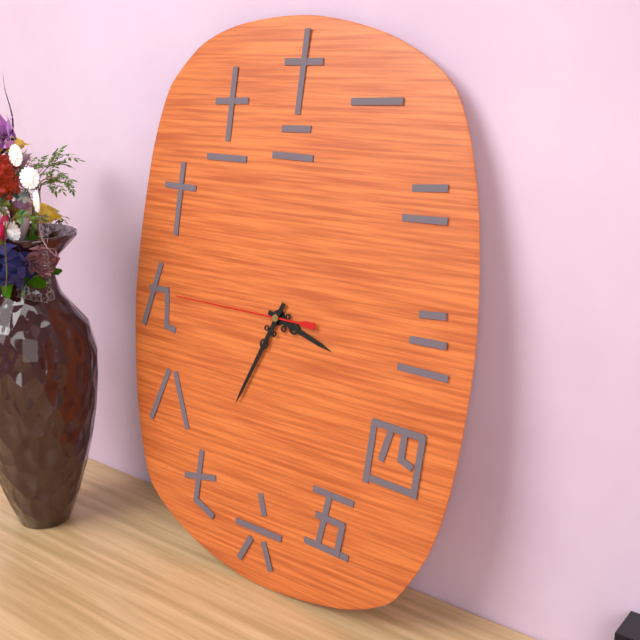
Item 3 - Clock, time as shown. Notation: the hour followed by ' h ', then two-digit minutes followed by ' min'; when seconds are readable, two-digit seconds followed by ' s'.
3 h 34 min 45 s
